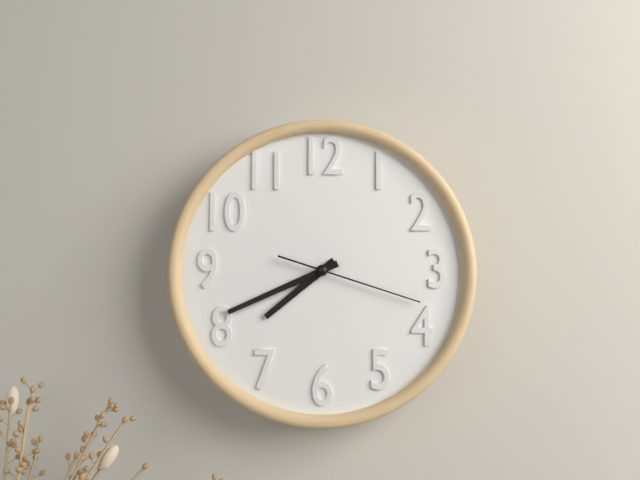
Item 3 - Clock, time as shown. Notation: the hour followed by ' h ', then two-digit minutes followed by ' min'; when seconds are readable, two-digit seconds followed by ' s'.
7 h 41 min 18 s
